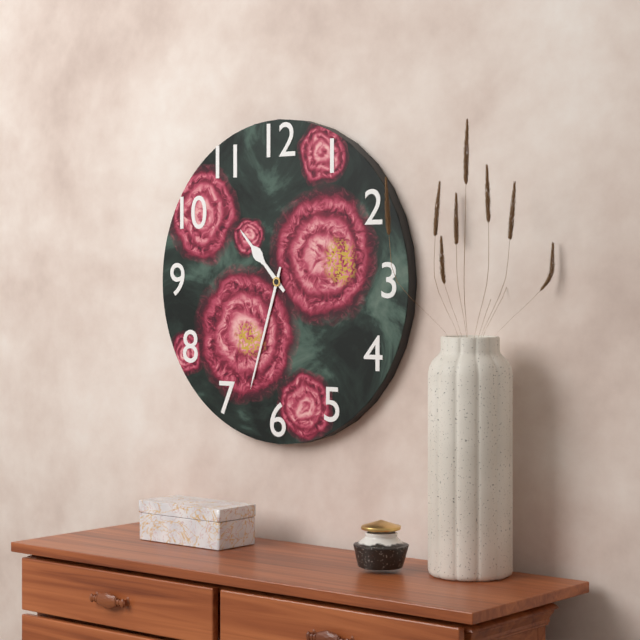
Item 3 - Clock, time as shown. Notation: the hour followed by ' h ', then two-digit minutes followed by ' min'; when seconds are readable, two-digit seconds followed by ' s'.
10 h 33 min
